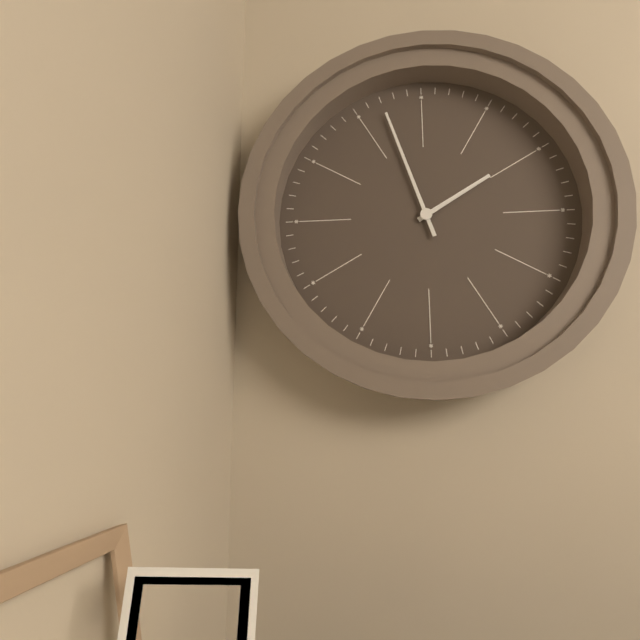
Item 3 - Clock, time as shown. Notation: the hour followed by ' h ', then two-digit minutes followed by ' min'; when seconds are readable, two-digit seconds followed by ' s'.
1 h 57 min
